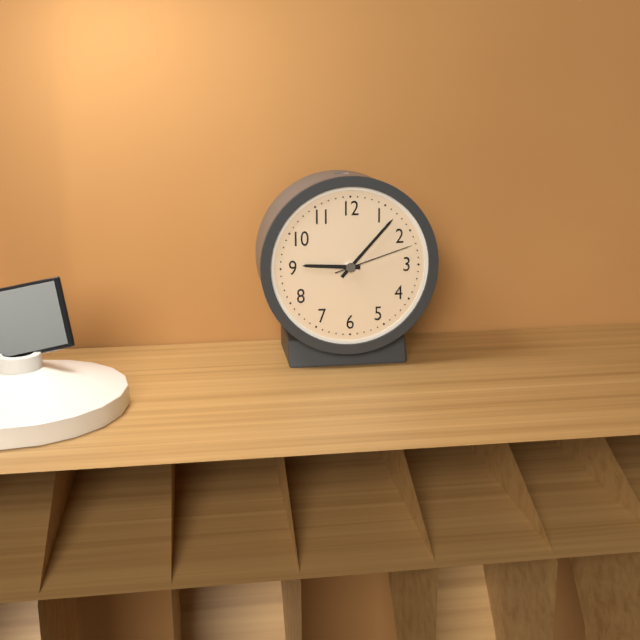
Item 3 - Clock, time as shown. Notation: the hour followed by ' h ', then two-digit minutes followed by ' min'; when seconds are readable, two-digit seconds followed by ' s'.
9 h 07 min 12 s
